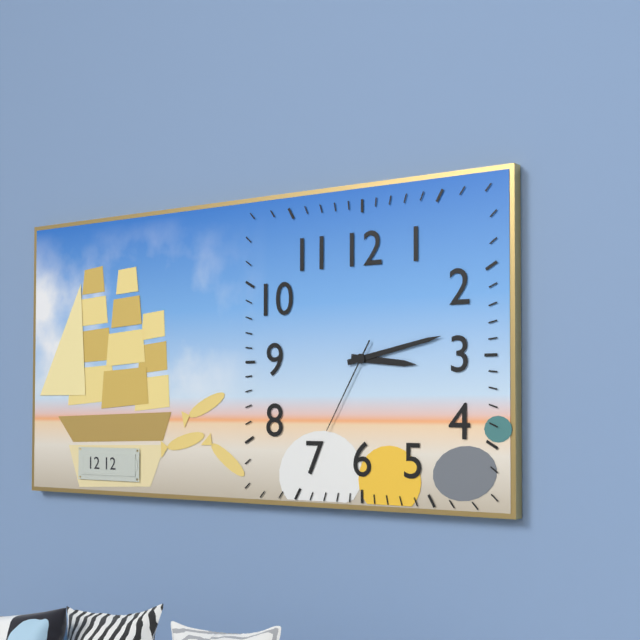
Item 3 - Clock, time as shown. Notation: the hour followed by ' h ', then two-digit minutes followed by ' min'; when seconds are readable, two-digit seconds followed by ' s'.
3 h 13 min 35 s
